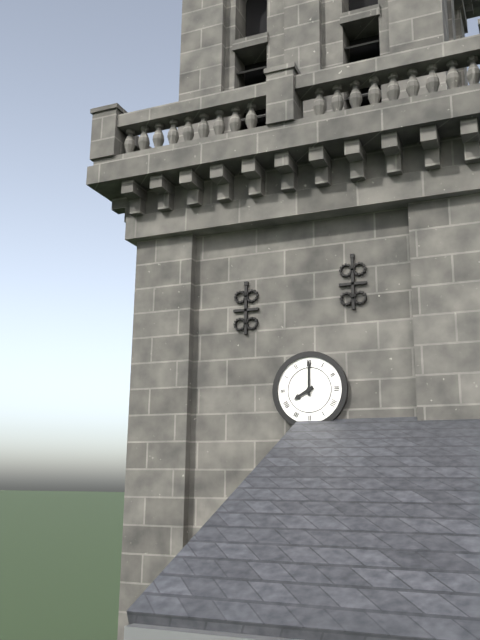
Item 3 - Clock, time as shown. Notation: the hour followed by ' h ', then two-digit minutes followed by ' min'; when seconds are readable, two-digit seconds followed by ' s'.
8 h 00 min
